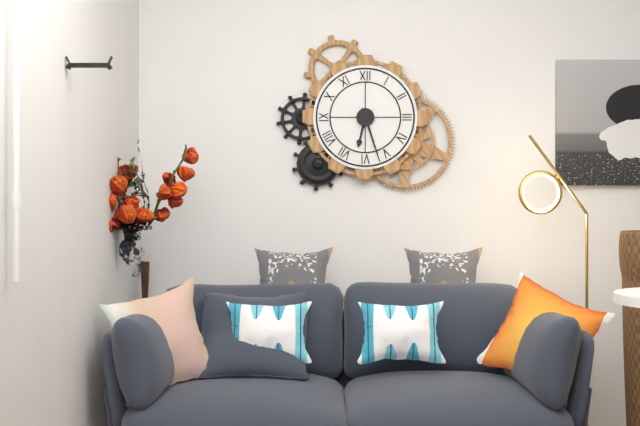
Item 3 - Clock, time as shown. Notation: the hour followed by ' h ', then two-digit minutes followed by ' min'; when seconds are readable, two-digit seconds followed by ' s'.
6 h 27 min
